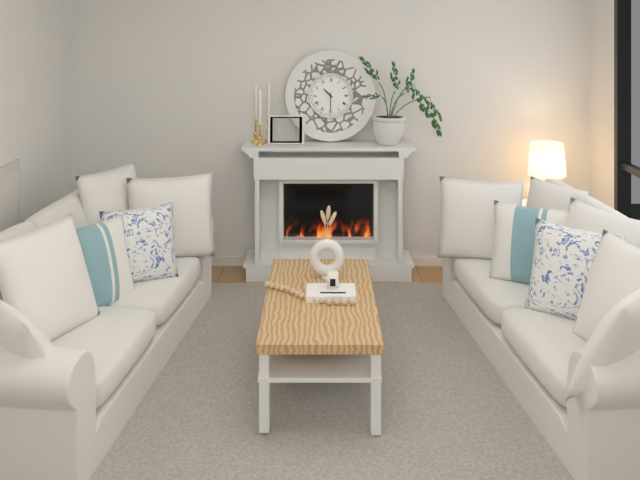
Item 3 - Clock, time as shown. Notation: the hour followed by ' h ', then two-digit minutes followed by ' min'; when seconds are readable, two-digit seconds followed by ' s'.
10 h 30 min
